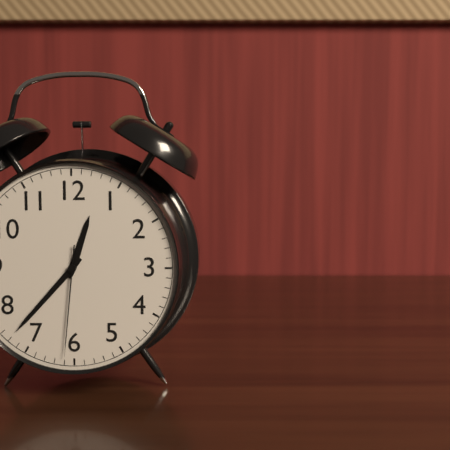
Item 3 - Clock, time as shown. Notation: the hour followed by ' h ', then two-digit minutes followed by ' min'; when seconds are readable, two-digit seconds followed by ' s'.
12 h 37 min 31 s
